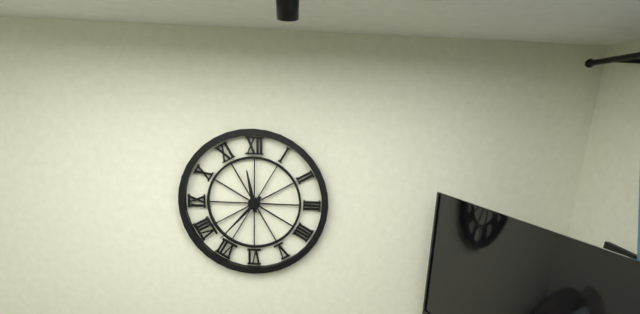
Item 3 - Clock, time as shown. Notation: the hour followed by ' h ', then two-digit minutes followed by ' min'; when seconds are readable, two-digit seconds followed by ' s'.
11 h 37 min
